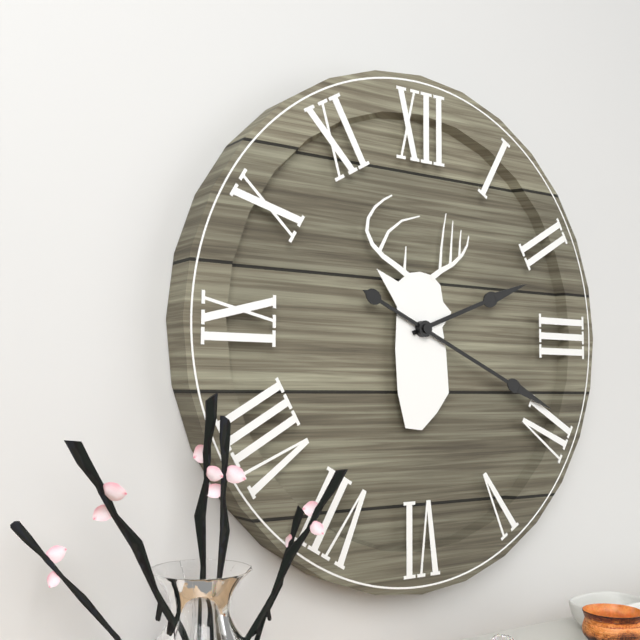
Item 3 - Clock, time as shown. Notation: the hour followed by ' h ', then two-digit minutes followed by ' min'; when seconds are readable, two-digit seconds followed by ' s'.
2 h 19 min
